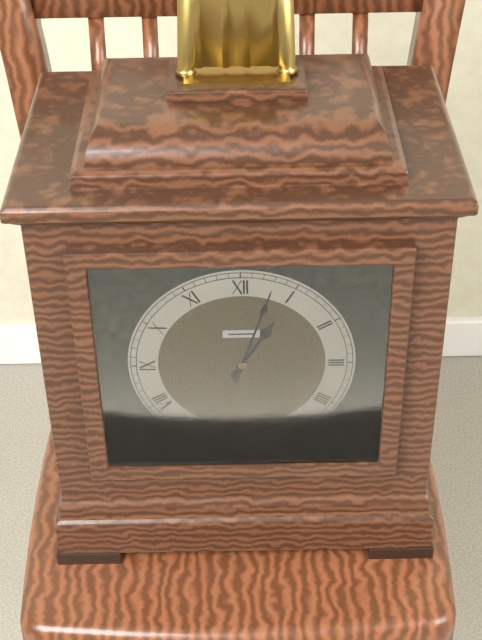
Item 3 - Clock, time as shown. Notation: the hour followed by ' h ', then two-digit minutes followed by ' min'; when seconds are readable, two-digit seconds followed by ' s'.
1 h 03 min
